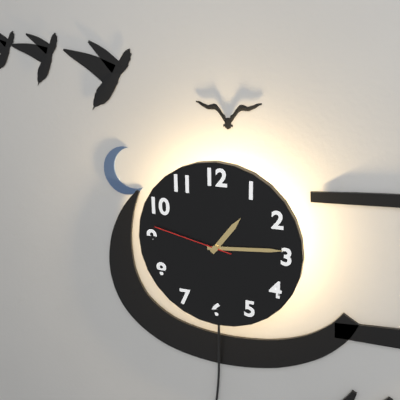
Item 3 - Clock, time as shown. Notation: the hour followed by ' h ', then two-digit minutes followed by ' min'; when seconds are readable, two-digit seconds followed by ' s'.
1 h 14 min 47 s
